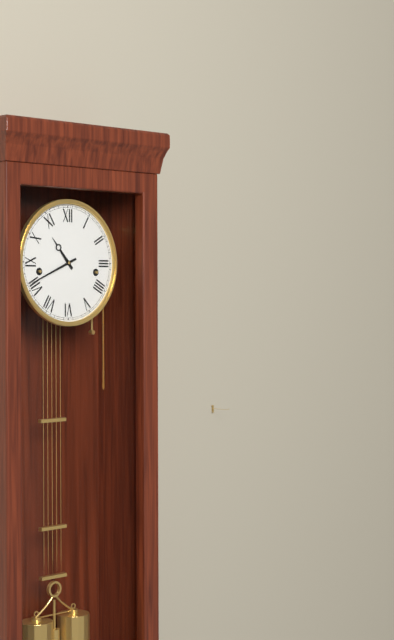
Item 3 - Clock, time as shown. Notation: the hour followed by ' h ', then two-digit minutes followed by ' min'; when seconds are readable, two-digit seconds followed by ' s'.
10 h 41 min
